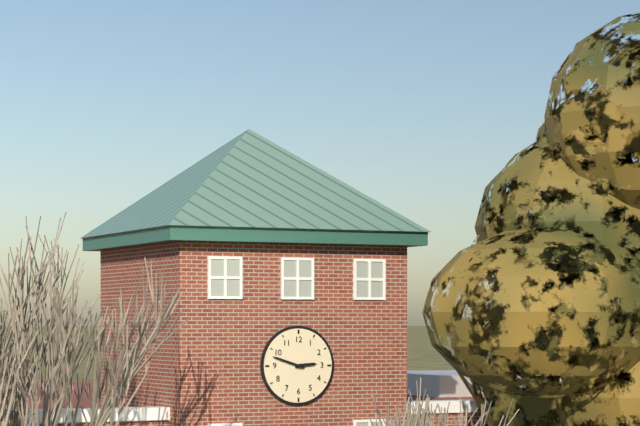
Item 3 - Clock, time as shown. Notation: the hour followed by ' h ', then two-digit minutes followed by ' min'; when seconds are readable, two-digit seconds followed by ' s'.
2 h 48 min
